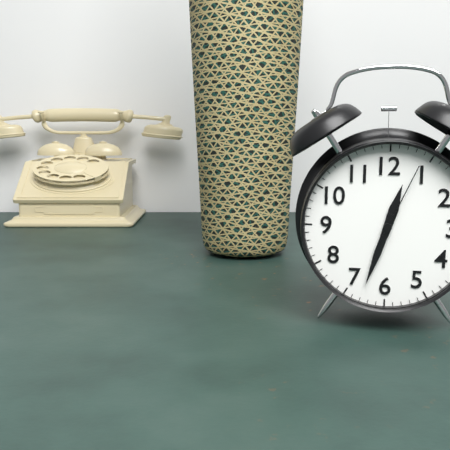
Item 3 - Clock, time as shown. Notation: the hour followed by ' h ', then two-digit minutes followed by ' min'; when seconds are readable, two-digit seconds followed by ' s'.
12 h 33 min 04 s
